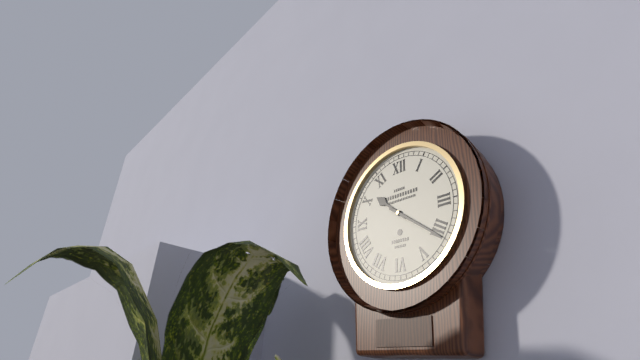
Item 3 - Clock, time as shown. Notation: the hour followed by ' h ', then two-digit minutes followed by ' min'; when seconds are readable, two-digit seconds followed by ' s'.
10 h 21 min
